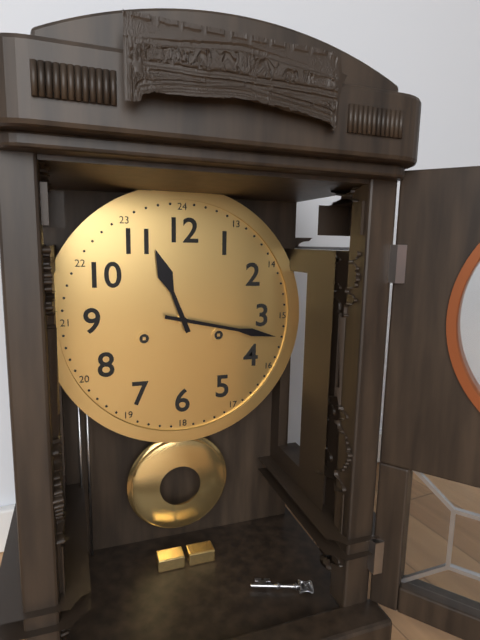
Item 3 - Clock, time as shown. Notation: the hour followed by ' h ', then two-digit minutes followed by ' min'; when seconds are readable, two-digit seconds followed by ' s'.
11 h 17 min
